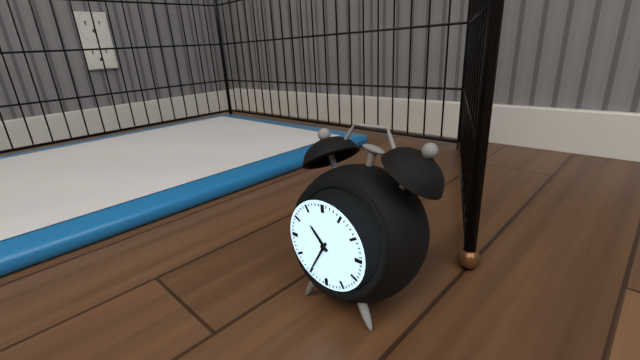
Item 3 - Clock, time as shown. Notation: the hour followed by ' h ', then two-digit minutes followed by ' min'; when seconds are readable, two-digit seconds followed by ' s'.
10 h 35 min
